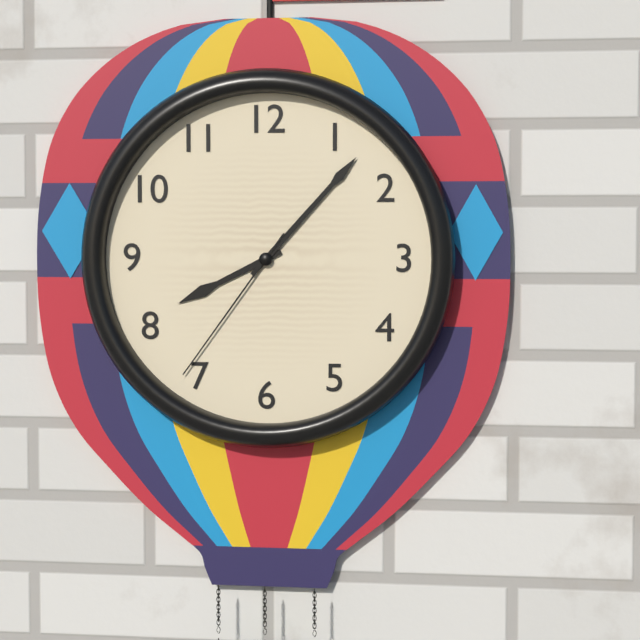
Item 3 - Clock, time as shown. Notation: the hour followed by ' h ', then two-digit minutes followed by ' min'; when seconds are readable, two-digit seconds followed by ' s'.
8 h 07 min 36 s
